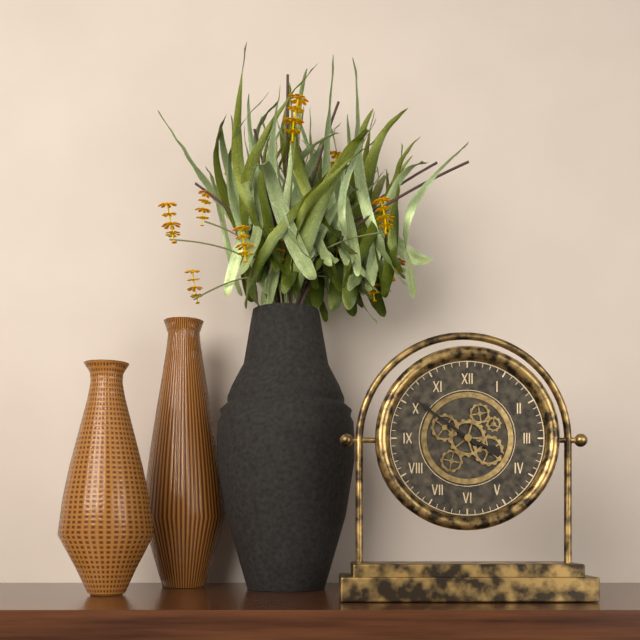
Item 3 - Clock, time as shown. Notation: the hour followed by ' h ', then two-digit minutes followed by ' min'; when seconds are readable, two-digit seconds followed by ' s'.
3 h 51 min
